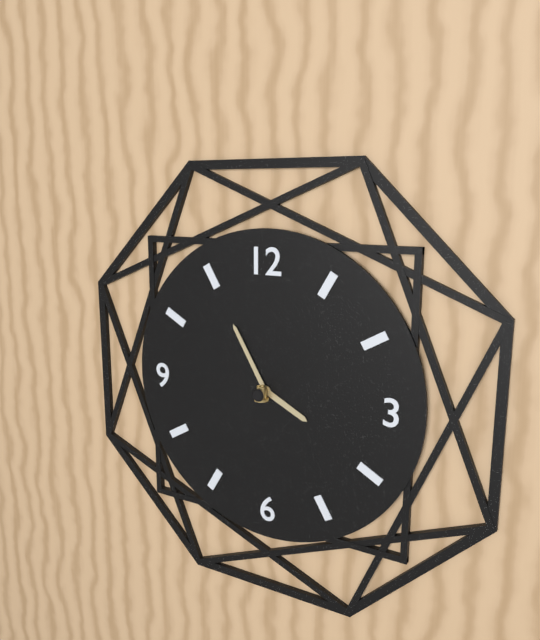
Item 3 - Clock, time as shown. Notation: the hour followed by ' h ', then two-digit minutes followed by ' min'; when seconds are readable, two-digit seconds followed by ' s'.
3 h 55 min
